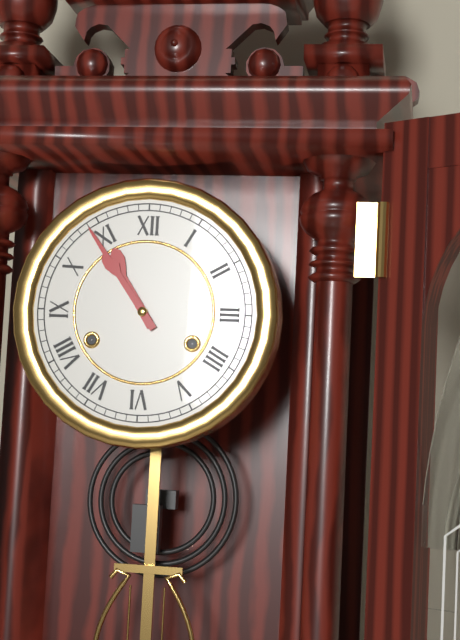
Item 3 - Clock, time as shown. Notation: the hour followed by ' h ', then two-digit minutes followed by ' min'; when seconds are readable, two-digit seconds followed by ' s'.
10 h 54 min
